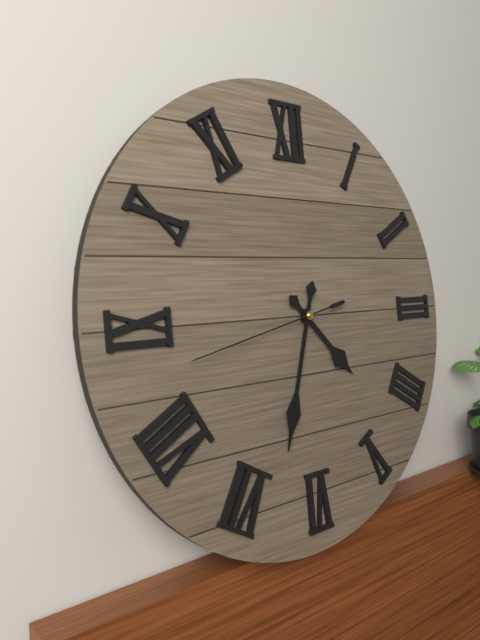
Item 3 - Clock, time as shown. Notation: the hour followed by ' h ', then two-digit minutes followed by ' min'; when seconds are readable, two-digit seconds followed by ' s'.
4 h 33 min 43 s
